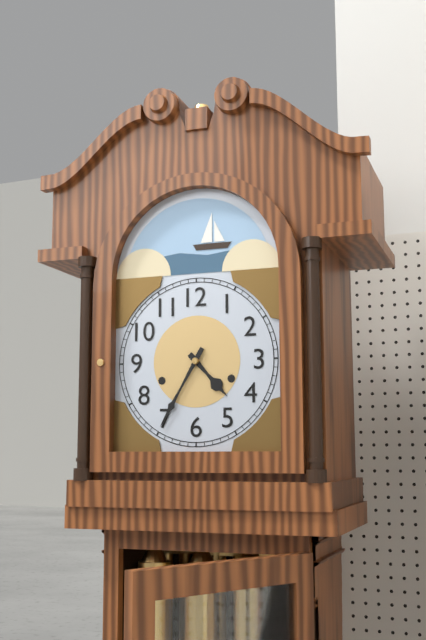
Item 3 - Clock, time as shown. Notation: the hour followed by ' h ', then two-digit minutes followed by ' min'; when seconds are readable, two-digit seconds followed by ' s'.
4 h 35 min
